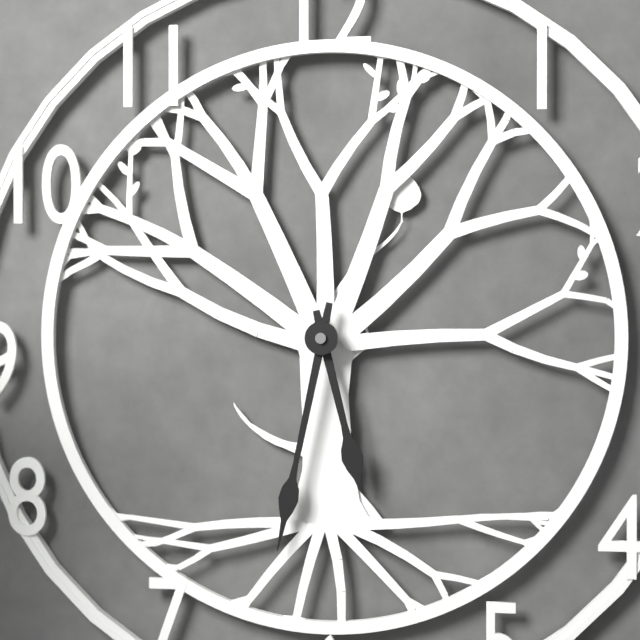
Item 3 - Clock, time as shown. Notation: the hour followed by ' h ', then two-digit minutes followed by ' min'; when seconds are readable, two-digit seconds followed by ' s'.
5 h 32 min
